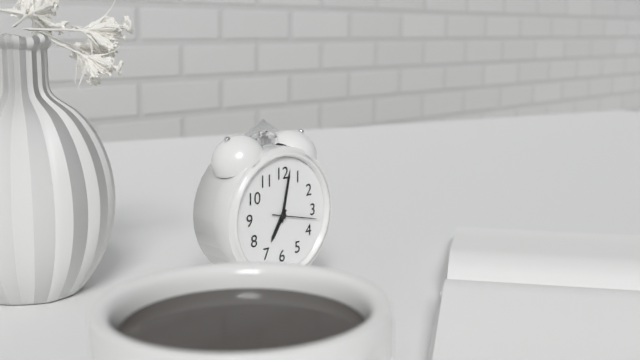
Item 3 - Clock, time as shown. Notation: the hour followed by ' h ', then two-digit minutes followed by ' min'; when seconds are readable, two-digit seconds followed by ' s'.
7 h 02 min
